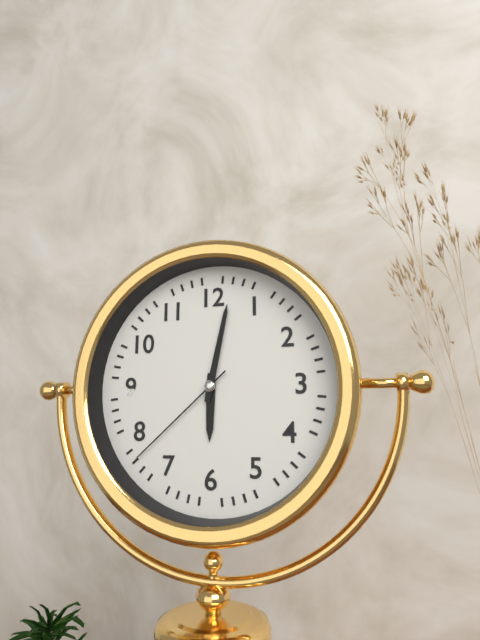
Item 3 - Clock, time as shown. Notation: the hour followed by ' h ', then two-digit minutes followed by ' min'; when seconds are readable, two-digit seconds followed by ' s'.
6 h 02 min 38 s
